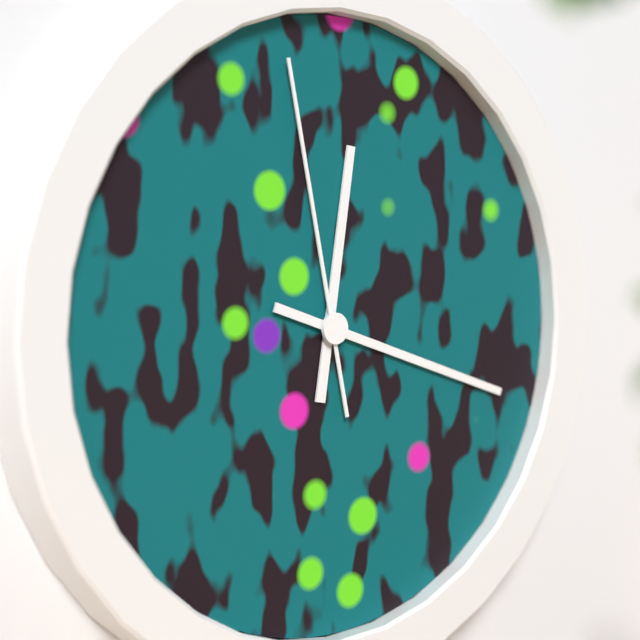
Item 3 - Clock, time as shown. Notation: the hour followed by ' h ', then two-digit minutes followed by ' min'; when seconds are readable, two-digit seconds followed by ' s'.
12 h 18 min 58 s
